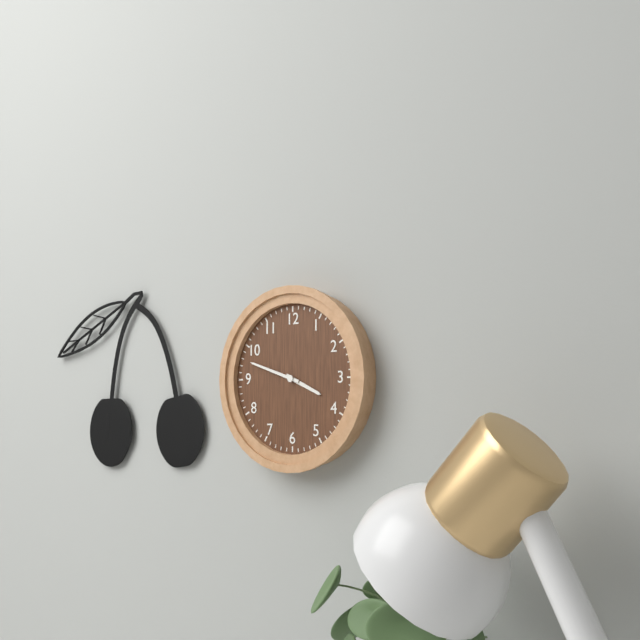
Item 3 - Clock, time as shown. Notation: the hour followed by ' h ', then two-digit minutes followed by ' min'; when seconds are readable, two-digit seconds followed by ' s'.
3 h 48 min
